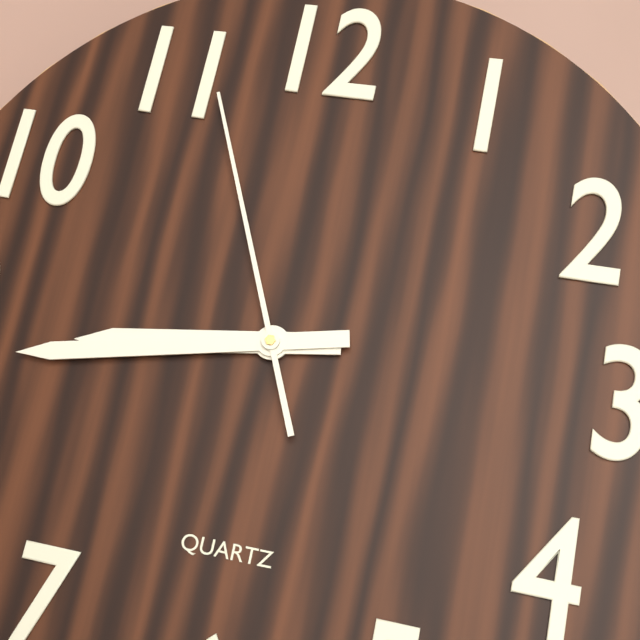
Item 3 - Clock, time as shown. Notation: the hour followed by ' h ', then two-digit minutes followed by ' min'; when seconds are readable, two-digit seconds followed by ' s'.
8 h 43 min 56 s
